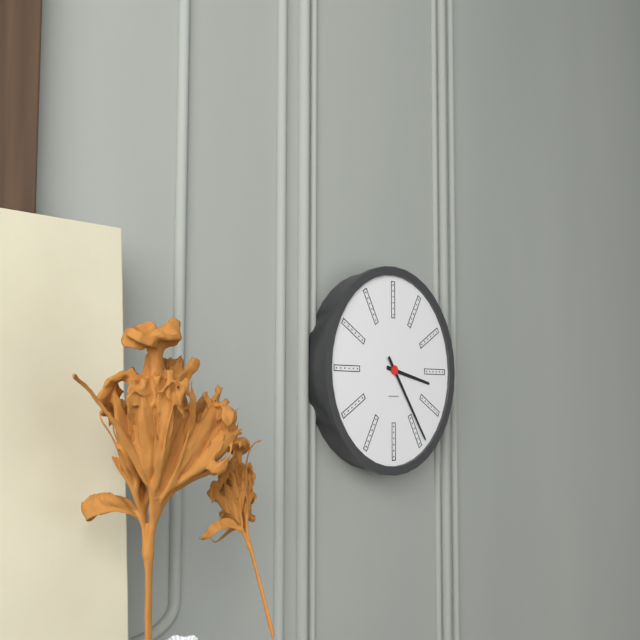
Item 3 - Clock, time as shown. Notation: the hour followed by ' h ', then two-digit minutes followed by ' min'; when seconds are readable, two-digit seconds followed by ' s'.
3 h 24 min
